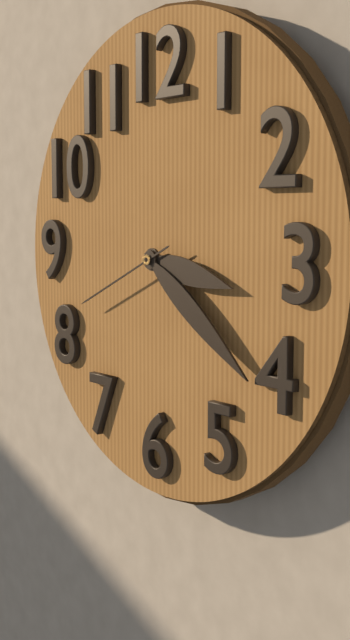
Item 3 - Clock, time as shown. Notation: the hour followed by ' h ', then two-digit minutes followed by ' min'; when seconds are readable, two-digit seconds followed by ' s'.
3 h 21 min 41 s
